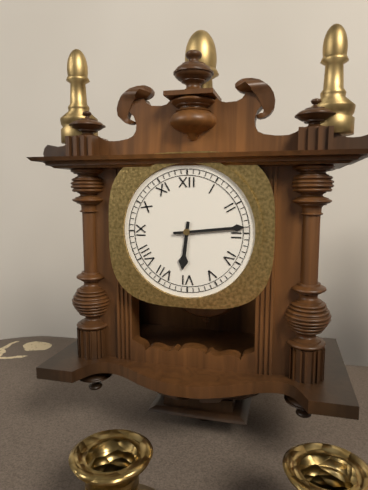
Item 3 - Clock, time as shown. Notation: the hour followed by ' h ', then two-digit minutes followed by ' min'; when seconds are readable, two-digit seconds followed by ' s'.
6 h 14 min
